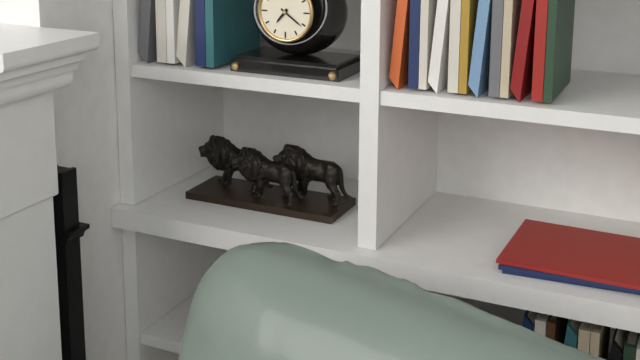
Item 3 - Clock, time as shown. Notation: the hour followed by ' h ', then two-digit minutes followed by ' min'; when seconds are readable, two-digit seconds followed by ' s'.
7 h 21 min
